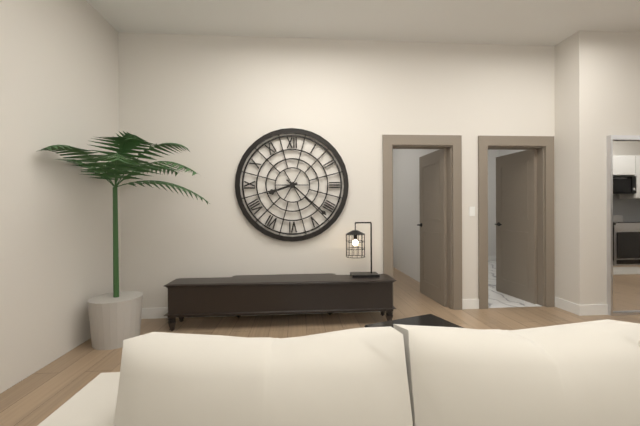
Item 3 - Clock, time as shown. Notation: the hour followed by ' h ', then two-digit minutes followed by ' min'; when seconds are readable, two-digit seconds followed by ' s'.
8 h 22 min
